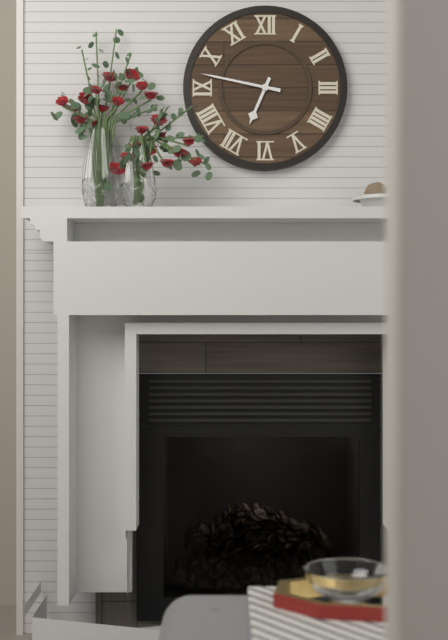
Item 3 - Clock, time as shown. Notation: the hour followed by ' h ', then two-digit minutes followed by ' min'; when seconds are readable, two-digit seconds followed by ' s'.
6 h 47 min
